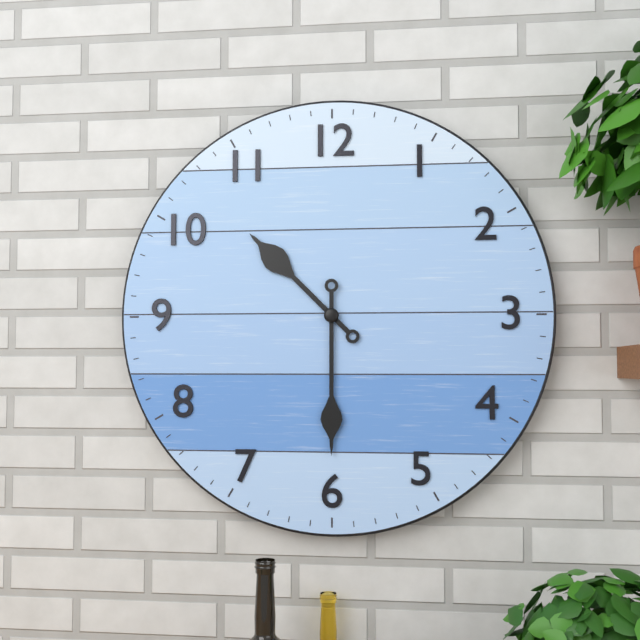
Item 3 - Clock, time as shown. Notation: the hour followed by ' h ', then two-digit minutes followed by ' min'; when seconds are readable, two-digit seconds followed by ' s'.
10 h 30 min
